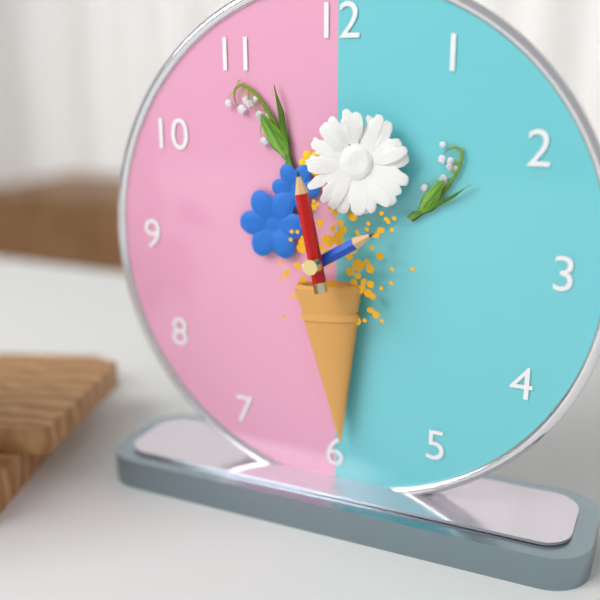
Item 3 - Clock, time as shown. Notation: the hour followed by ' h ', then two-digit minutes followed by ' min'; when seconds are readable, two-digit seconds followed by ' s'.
1 h 58 min
